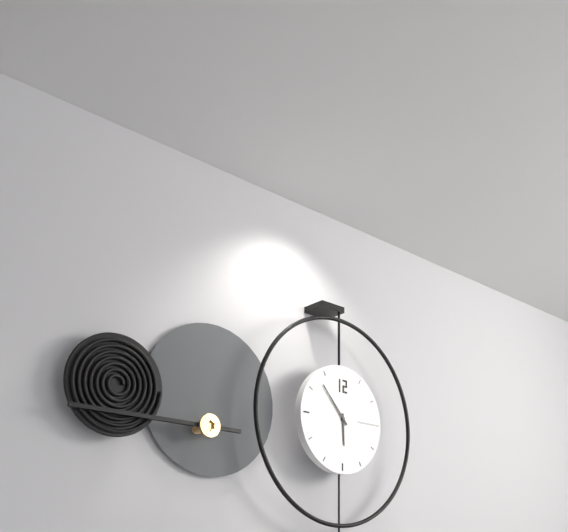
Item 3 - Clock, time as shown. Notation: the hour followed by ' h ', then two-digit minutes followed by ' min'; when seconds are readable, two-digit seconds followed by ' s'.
5 h 53 min
